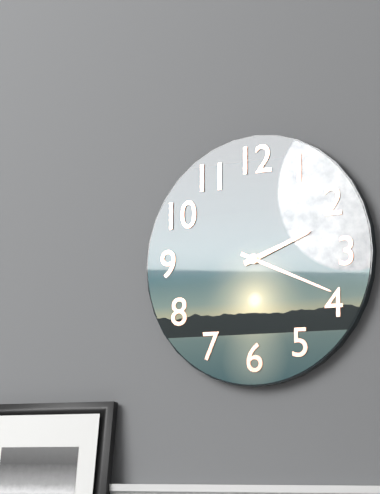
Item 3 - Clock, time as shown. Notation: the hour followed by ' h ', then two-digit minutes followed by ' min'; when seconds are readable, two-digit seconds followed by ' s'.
2 h 19 min
